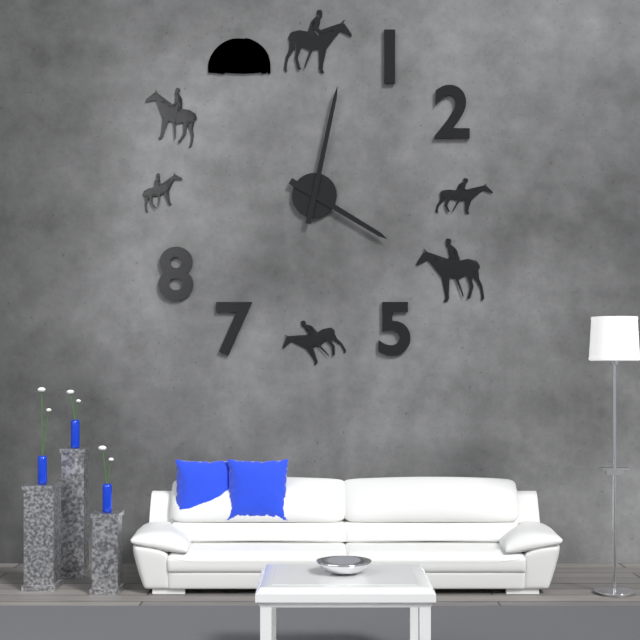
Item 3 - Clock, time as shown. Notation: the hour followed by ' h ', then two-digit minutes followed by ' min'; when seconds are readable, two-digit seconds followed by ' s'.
4 h 02 min
